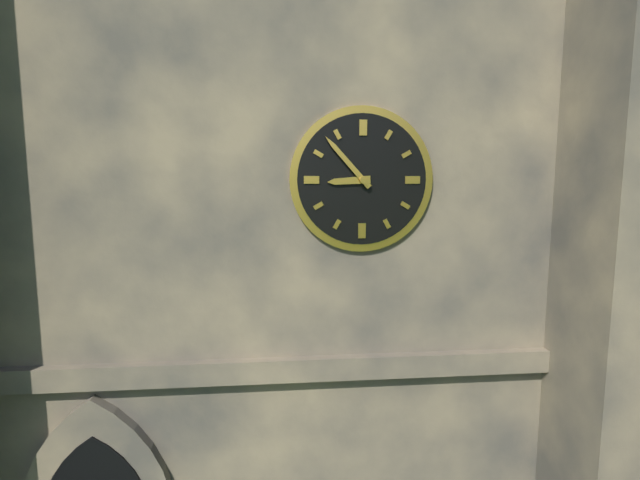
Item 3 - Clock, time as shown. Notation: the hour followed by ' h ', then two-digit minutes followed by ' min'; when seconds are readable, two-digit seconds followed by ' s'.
8 h 53 min
